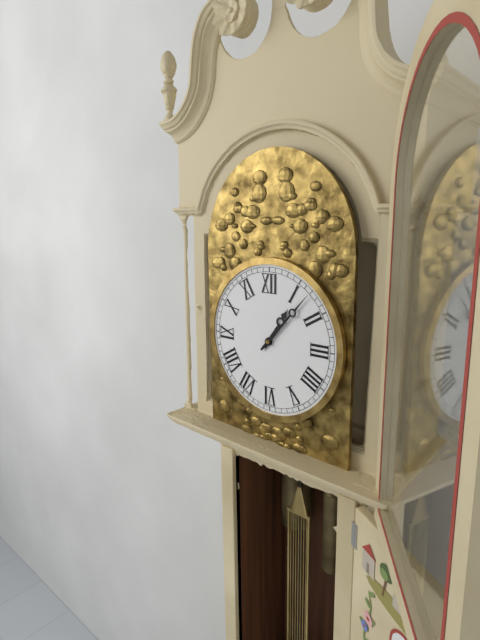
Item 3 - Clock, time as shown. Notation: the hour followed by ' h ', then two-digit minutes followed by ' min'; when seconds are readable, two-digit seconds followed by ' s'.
1 h 07 min
